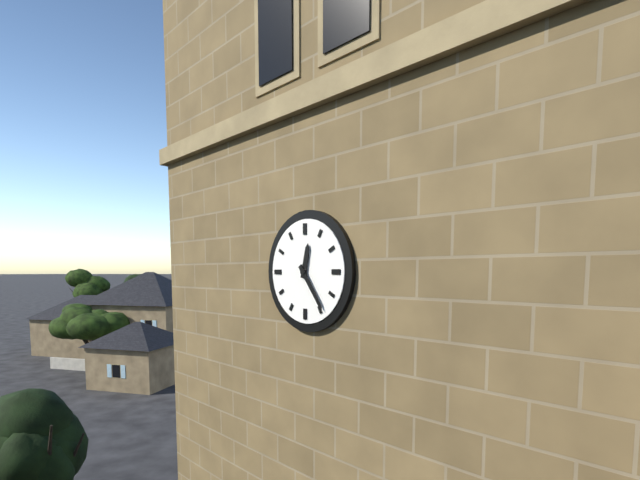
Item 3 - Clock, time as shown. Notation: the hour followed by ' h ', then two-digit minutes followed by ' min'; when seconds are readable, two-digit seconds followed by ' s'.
12 h 24 min
